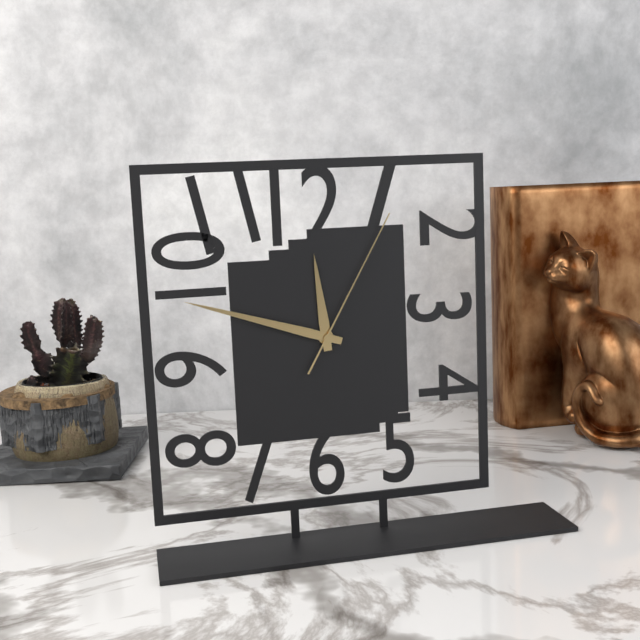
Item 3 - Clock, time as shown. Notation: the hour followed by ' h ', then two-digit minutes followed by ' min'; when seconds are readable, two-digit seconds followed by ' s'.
11 h 48 min 05 s
